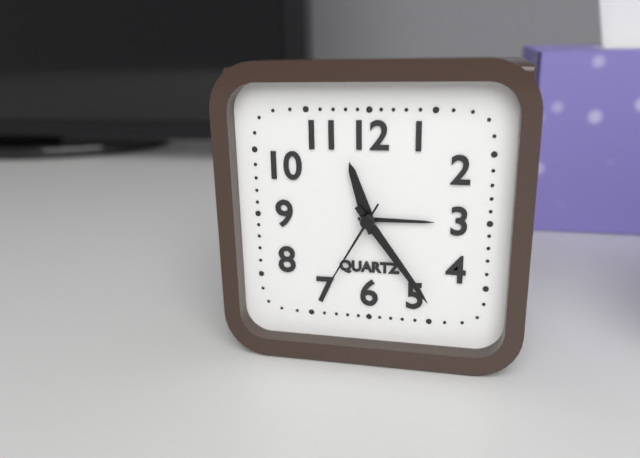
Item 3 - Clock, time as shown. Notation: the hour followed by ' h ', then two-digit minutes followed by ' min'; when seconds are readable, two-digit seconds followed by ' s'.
11 h 24 min 35 s
